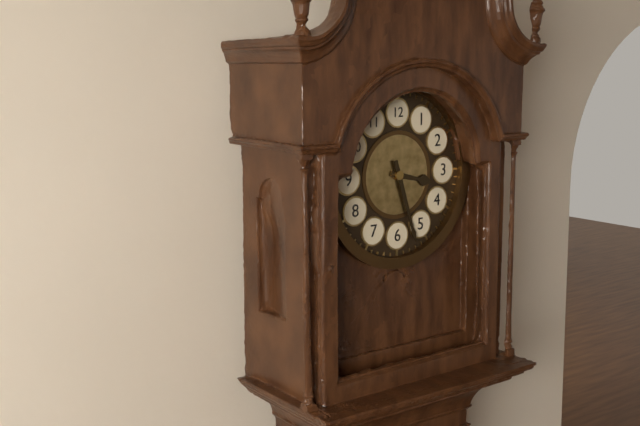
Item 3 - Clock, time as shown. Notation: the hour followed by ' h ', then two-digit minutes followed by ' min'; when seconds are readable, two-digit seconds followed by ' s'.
3 h 27 min
